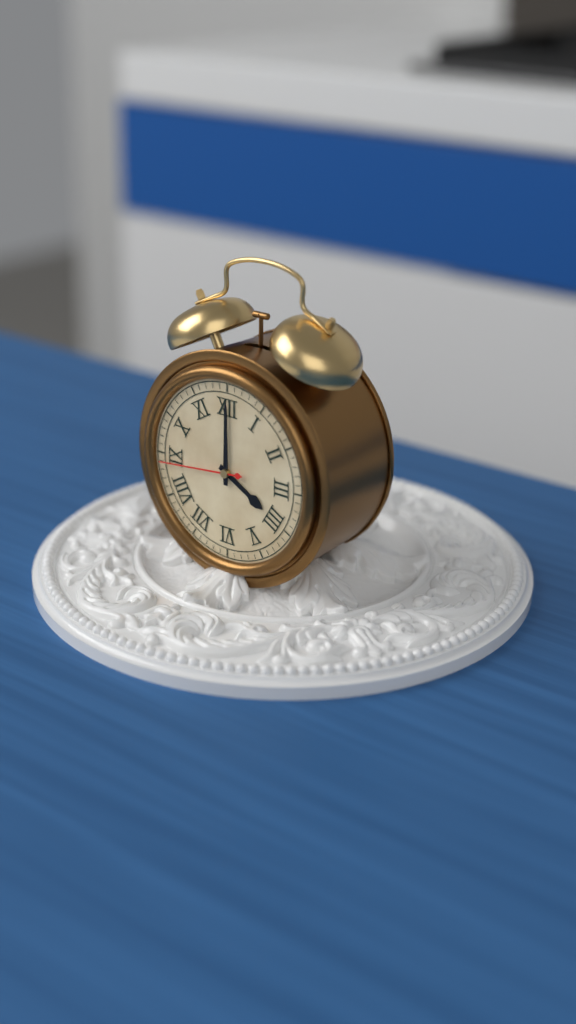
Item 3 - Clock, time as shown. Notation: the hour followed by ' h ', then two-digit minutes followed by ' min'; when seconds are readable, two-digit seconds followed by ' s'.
4 h 00 min 44 s
